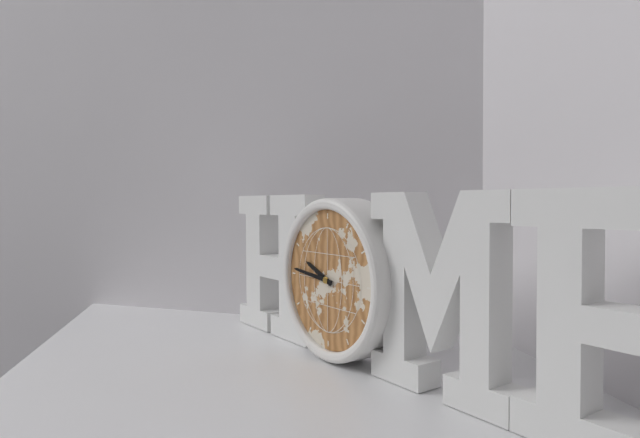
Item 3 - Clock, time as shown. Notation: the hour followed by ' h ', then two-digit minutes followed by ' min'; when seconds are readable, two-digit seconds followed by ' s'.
9 h 46 min
